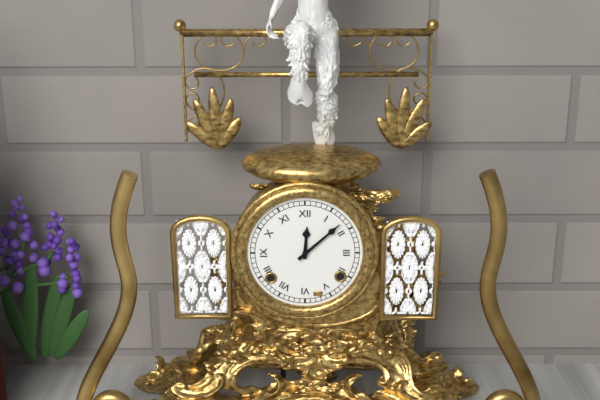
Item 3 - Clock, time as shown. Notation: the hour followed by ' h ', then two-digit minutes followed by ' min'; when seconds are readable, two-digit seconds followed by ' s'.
12 h 08 min
